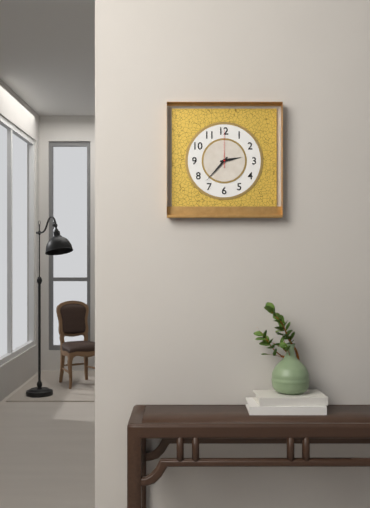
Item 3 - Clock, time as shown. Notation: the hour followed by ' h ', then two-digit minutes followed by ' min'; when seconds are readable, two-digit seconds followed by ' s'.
2 h 37 min
